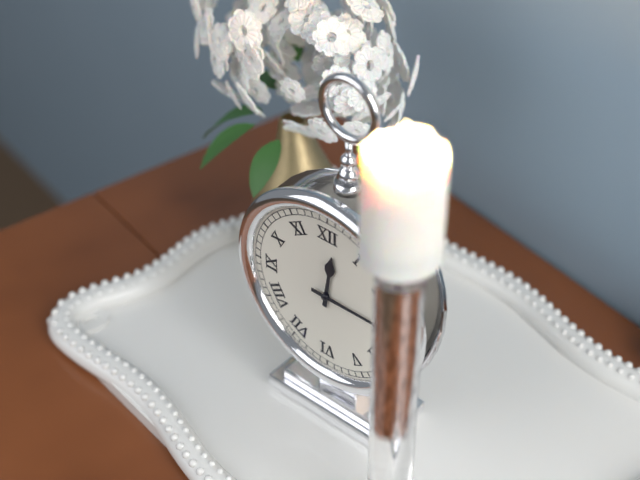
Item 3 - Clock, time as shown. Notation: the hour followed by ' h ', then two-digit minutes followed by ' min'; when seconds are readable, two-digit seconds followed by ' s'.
12 h 15 min
